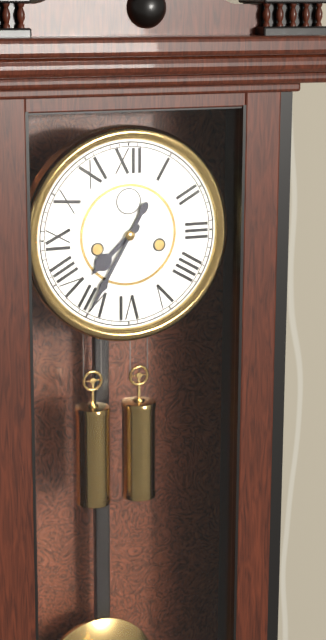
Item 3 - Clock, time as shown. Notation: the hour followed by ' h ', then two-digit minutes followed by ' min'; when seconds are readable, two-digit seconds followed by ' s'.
7 h 35 min
